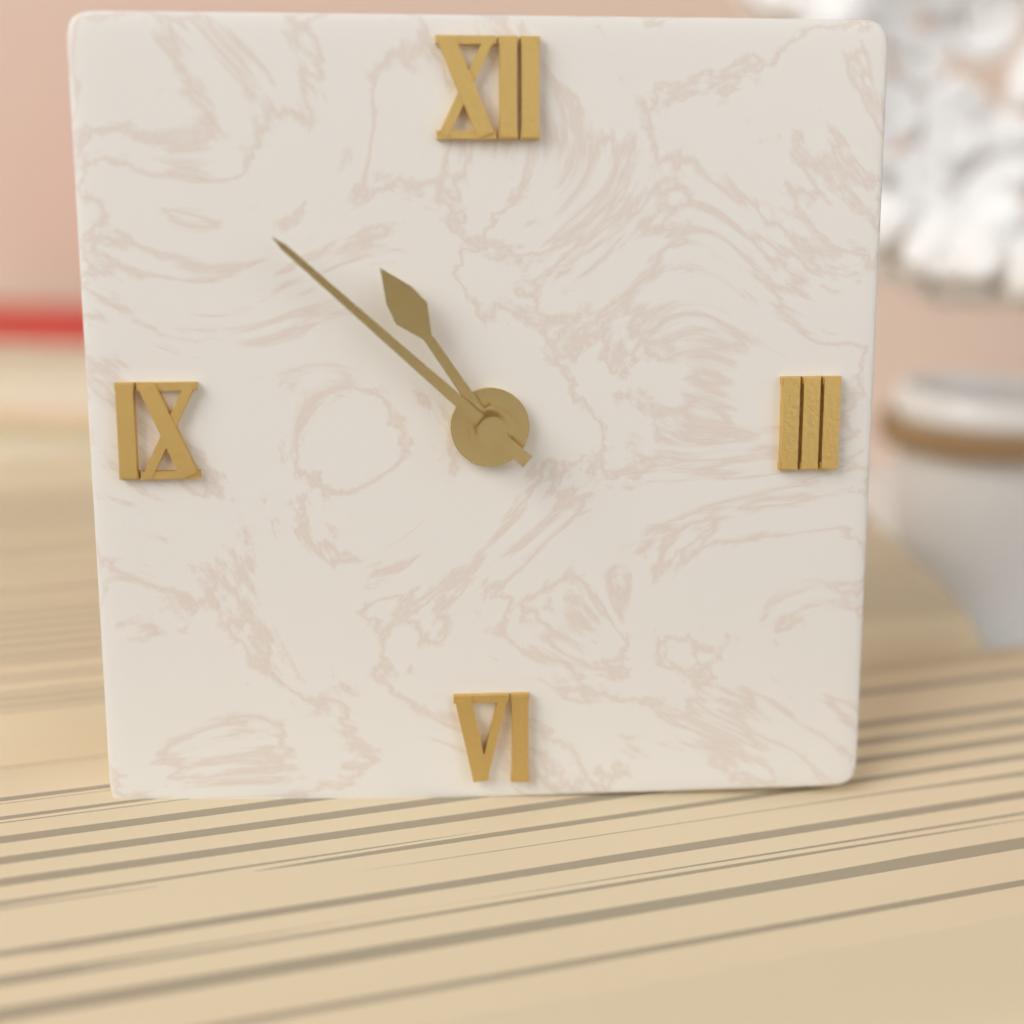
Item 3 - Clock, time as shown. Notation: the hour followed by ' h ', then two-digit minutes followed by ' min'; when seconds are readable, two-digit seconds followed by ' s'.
10 h 52 min
